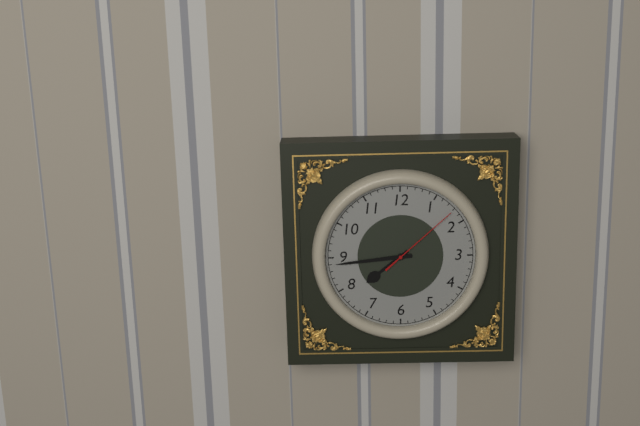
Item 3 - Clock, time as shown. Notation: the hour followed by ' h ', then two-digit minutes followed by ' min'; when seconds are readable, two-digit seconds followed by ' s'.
7 h 44 min 08 s
